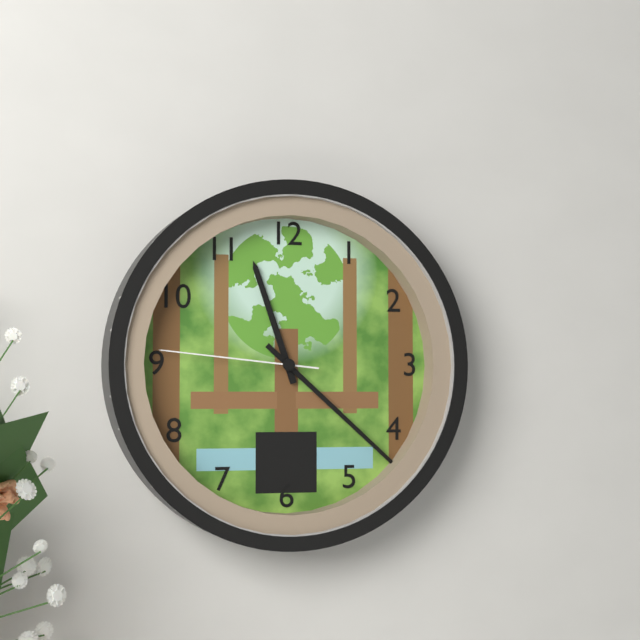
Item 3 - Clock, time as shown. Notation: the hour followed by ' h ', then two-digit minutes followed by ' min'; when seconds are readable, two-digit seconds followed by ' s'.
11 h 22 min 46 s
